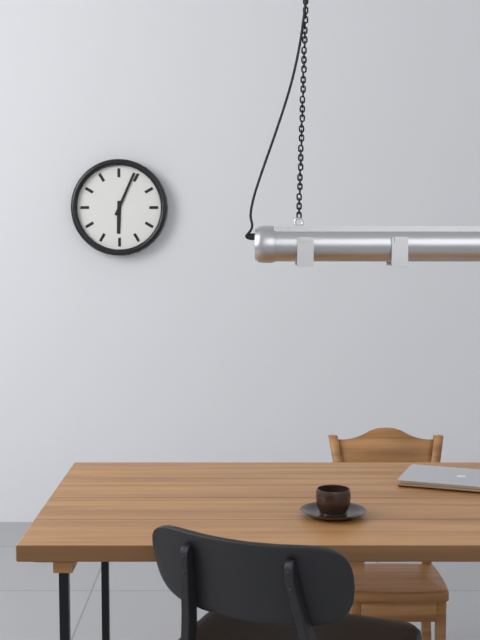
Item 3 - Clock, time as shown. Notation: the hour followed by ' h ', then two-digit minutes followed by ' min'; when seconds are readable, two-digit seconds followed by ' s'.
6 h 04 min
